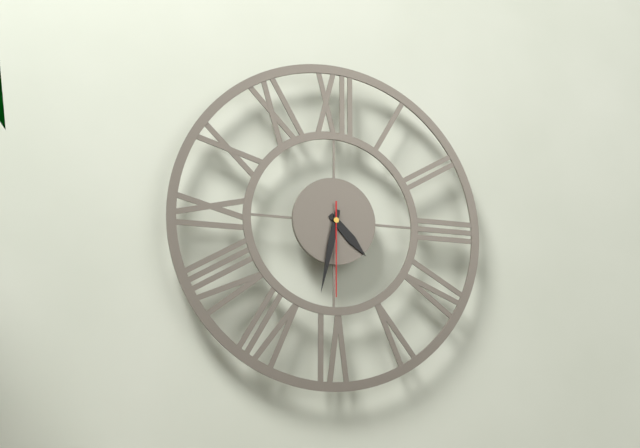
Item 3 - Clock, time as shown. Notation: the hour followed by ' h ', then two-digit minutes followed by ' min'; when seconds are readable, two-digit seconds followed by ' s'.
4 h 32 min 30 s
